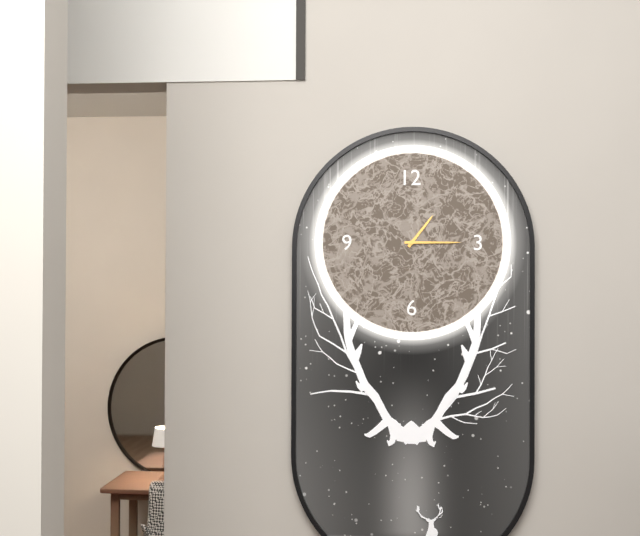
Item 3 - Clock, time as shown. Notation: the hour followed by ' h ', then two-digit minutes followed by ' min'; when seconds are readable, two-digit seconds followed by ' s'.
1 h 15 min
